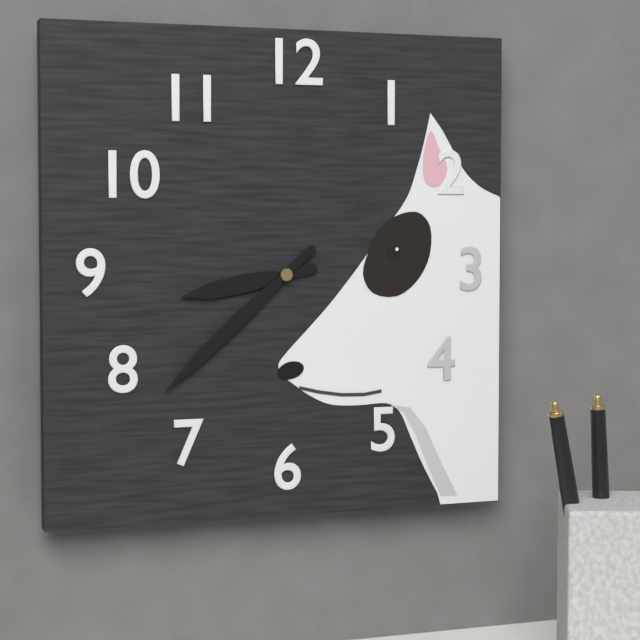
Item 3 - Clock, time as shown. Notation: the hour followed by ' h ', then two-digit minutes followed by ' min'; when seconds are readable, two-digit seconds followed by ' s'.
8 h 38 min
